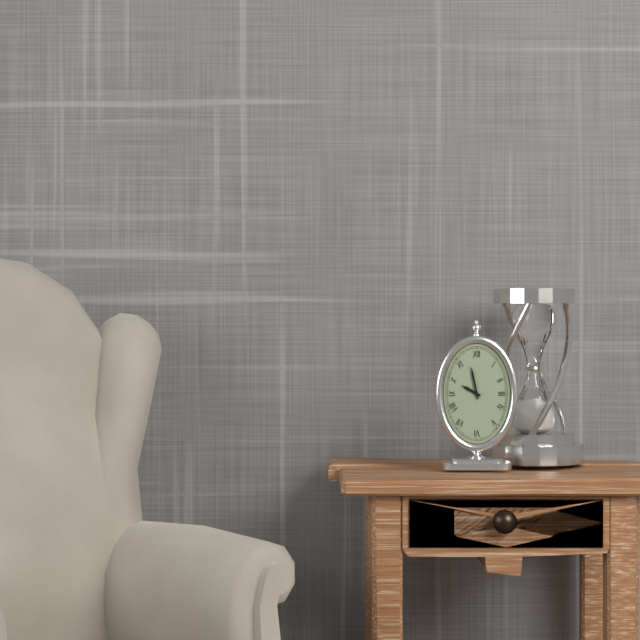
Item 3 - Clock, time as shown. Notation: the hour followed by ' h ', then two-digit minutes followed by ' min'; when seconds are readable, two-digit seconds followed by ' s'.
9 h 58 min
